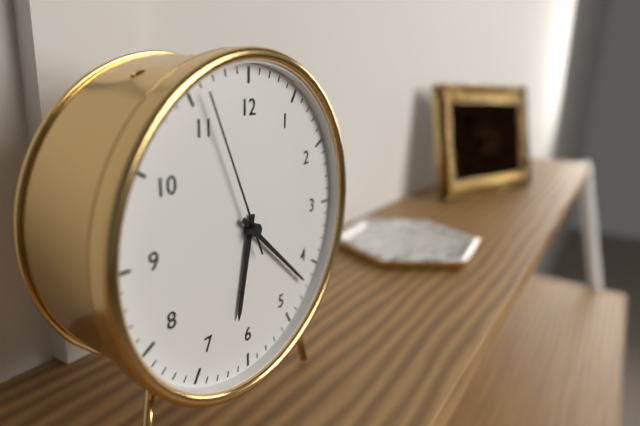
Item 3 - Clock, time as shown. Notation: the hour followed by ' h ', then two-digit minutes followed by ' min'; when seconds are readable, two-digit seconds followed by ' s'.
6 h 22 min 56 s
